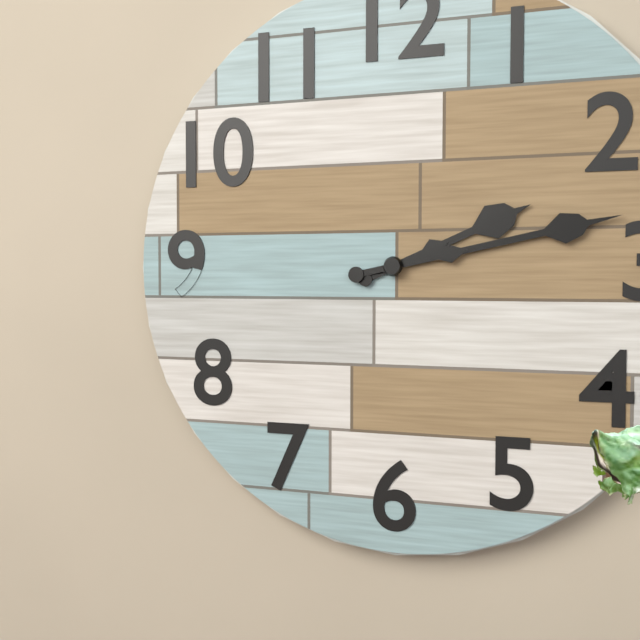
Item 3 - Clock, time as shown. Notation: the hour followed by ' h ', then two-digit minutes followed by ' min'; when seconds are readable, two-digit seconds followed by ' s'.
2 h 13 min
